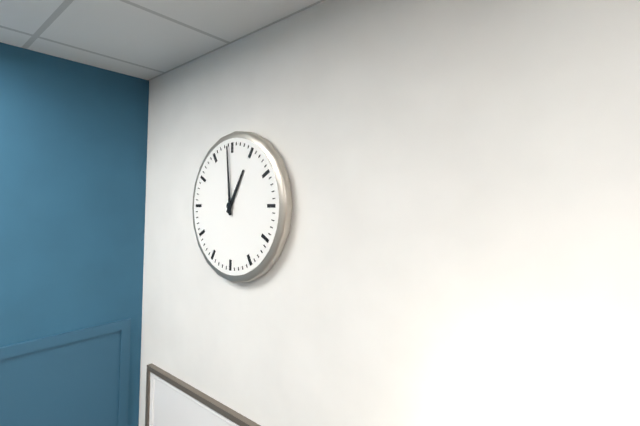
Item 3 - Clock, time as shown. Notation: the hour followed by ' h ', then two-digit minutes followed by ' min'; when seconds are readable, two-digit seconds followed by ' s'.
12 h 59 min
